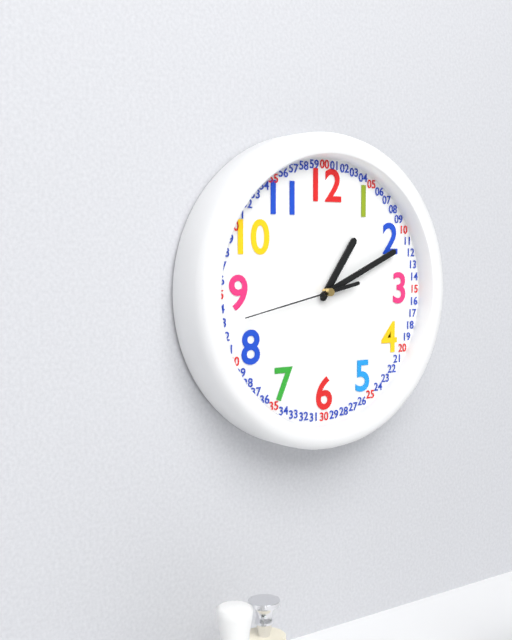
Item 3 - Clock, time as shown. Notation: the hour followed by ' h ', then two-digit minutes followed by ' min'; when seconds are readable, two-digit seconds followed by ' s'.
1 h 11 min 43 s
